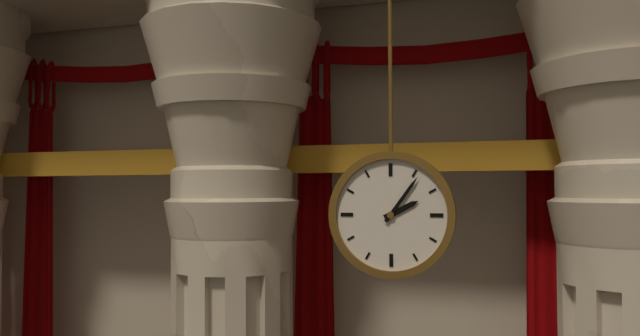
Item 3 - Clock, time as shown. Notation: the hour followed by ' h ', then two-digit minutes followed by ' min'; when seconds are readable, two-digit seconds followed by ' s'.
2 h 06 min
